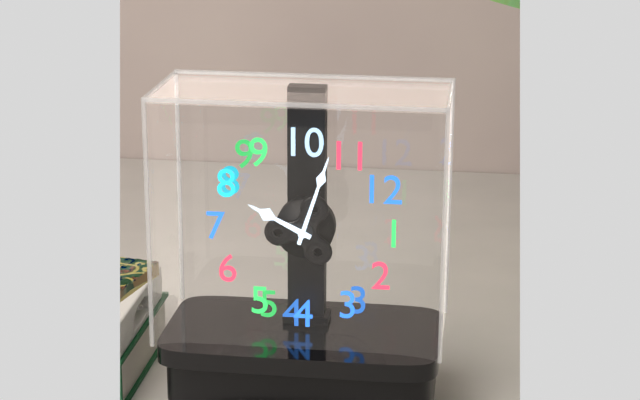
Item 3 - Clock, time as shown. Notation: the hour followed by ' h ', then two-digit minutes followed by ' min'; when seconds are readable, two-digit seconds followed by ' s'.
7 h 53 min
